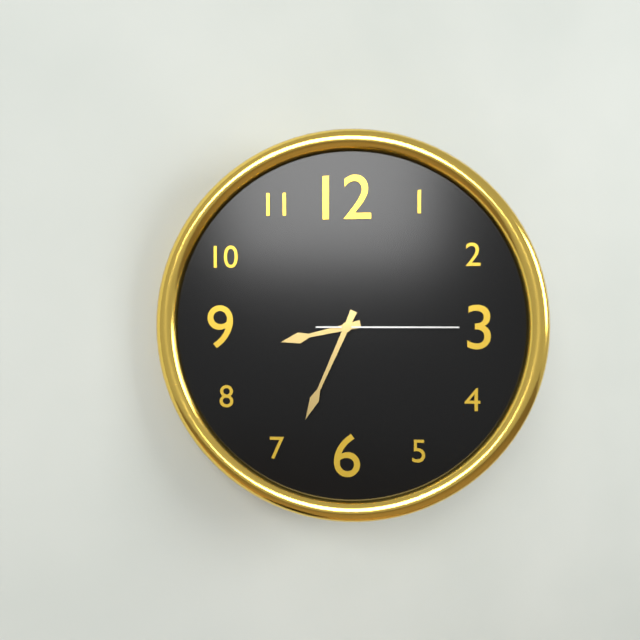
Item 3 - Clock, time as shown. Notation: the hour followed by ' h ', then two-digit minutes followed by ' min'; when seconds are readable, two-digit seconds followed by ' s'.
8 h 34 min 15 s
